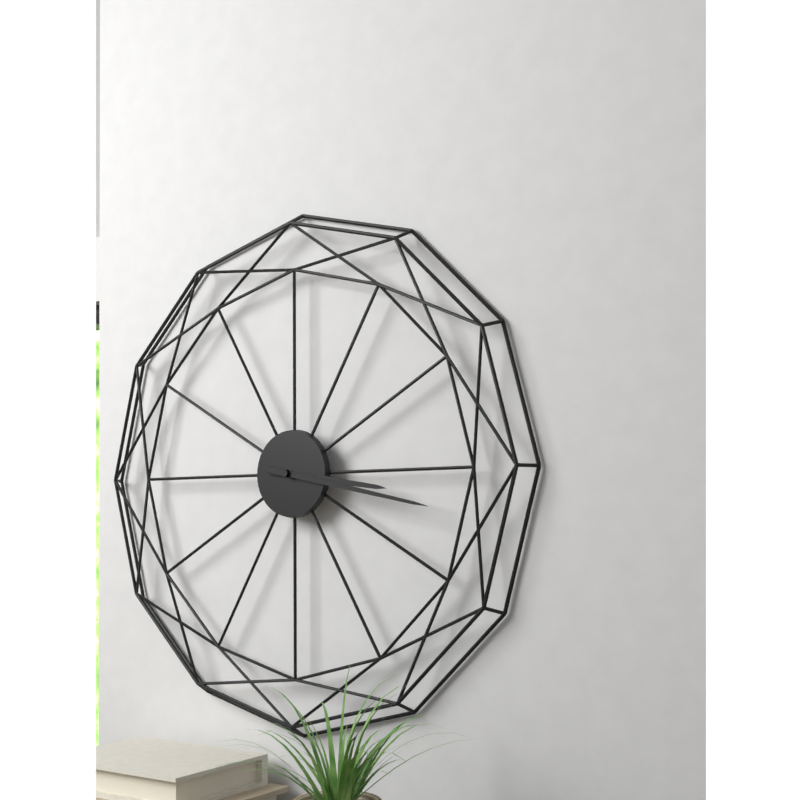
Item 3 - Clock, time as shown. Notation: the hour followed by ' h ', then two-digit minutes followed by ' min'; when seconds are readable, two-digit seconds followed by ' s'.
3 h 17 min
